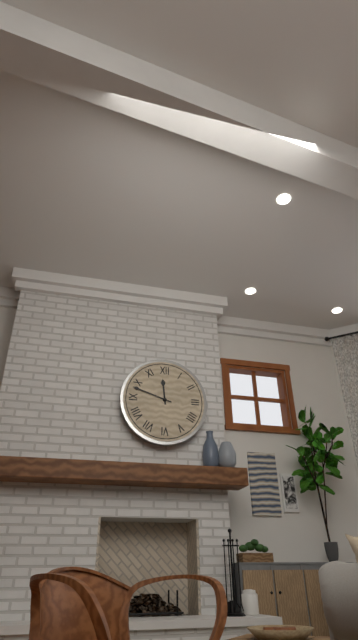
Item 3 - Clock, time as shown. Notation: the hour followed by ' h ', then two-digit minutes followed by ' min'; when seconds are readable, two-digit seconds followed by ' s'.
11 h 48 min
